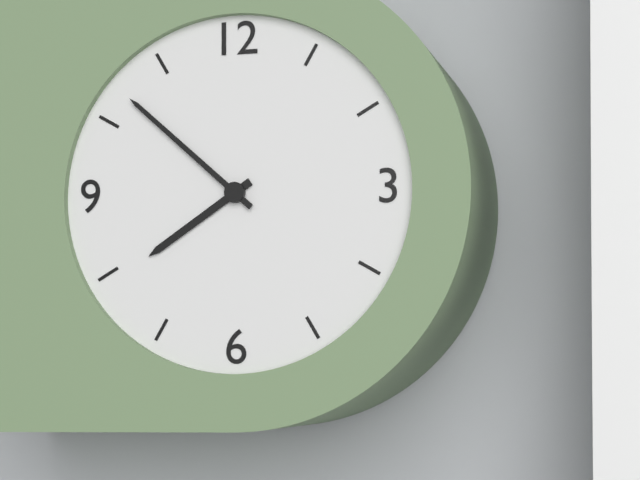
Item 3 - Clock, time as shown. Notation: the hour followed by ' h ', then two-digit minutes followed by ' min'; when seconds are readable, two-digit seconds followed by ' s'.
7 h 52 min
